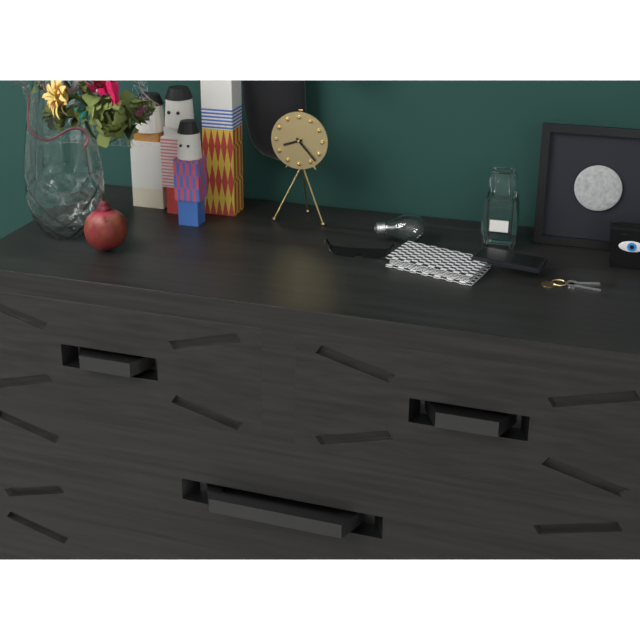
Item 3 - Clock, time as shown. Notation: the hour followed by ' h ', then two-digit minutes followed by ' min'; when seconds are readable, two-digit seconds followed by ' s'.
8 h 23 min
